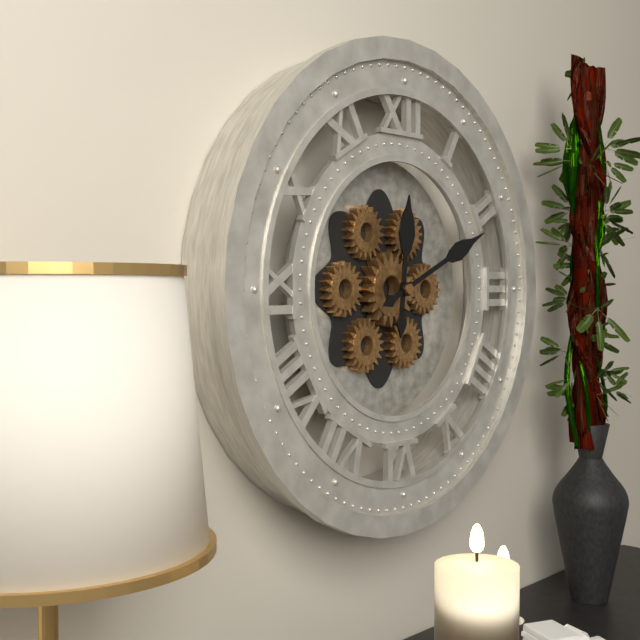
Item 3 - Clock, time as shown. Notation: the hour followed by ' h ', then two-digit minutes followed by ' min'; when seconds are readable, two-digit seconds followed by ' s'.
12 h 11 min
